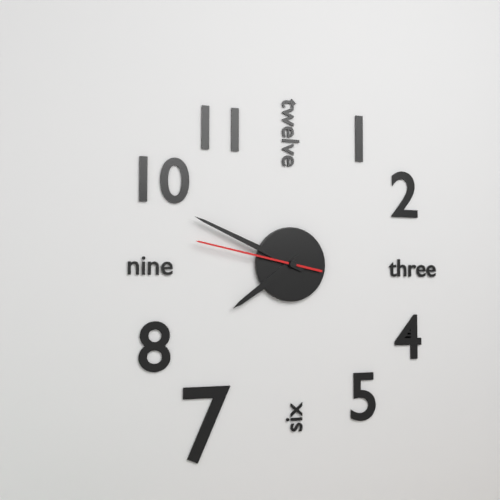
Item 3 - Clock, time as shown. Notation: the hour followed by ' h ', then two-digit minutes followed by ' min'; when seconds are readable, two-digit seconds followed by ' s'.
7 h 49 min 47 s
